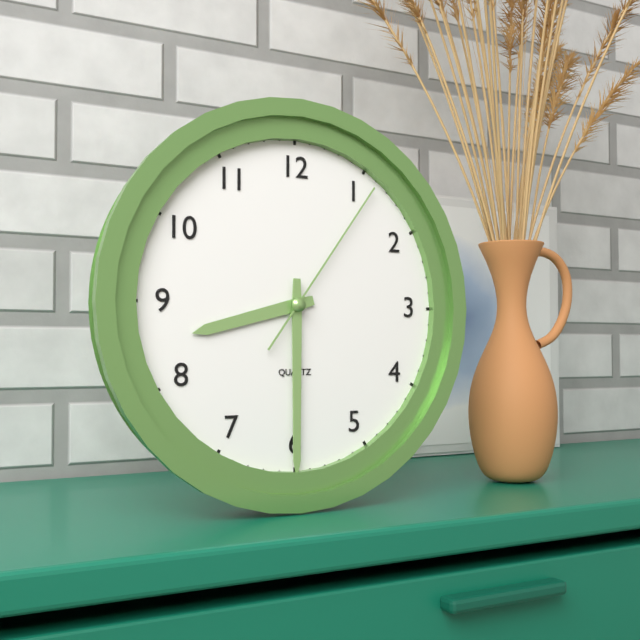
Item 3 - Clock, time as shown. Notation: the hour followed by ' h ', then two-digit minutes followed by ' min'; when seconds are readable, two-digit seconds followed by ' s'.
8 h 30 min 06 s
